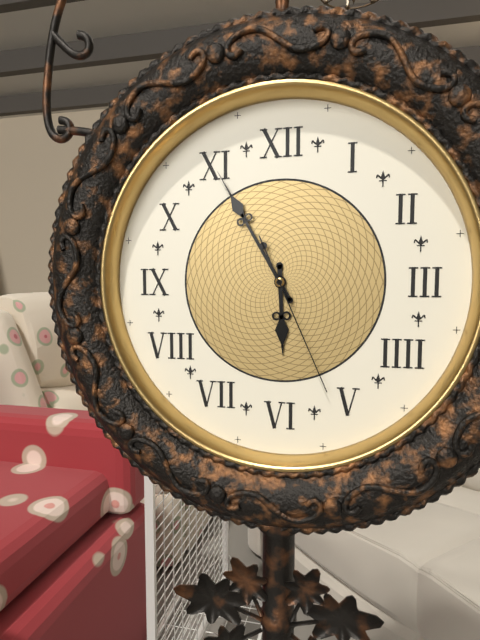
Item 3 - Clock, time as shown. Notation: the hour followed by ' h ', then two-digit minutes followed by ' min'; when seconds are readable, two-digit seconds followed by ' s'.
5 h 55 min 26 s
